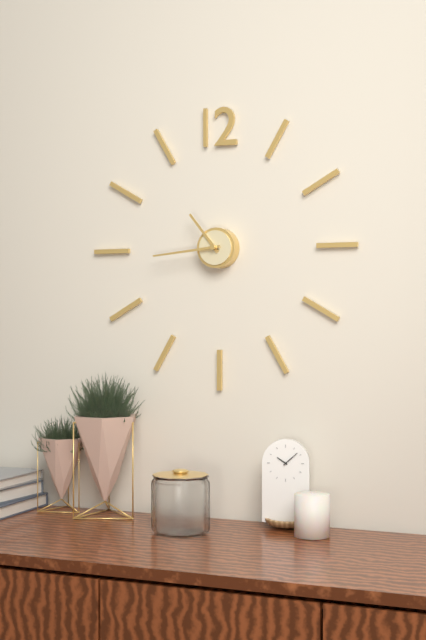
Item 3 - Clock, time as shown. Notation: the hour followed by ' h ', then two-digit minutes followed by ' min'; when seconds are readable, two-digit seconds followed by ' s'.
10 h 44 min
